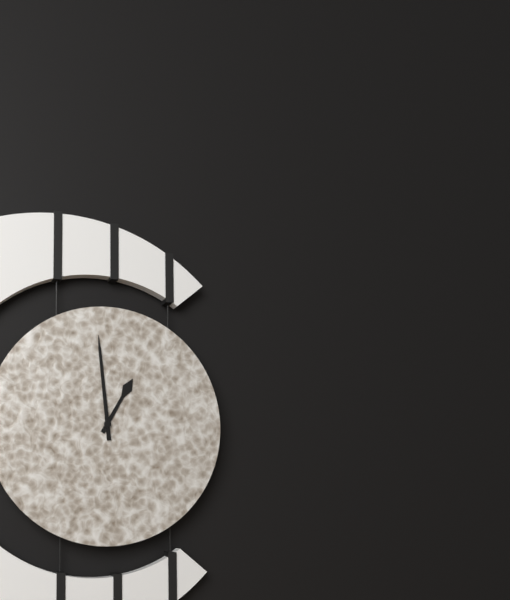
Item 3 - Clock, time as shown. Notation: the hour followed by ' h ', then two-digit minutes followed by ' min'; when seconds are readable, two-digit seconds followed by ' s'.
12 h 59 min
